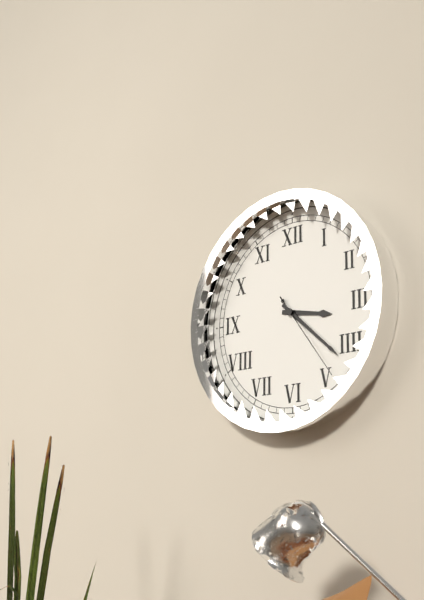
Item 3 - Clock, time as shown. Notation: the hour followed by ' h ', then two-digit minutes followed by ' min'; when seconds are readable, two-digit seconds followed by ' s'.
3 h 22 min 24 s
